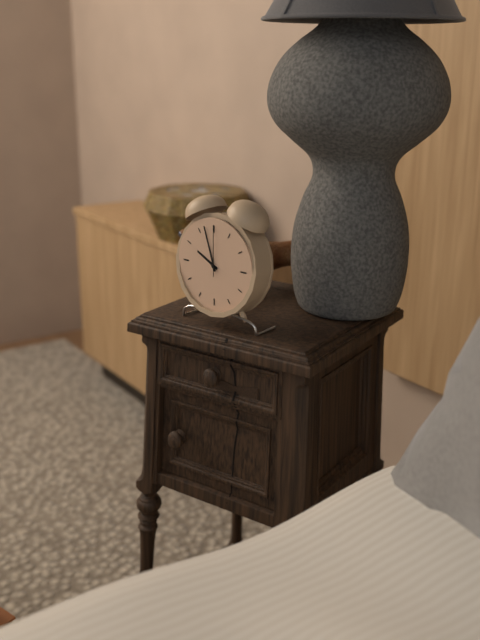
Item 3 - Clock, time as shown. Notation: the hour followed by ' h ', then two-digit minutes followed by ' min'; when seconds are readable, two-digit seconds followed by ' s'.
9 h 57 min 00 s
